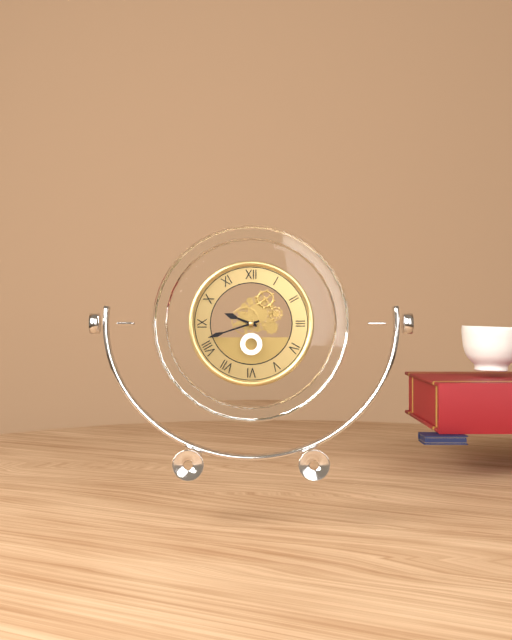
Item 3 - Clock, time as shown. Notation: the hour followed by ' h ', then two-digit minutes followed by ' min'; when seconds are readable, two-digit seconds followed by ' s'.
9 h 42 min
